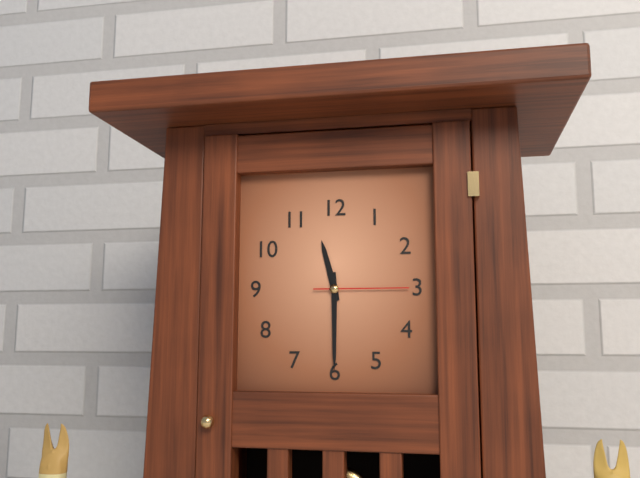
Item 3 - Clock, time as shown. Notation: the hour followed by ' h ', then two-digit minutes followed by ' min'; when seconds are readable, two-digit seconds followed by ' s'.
11 h 30 min 15 s
